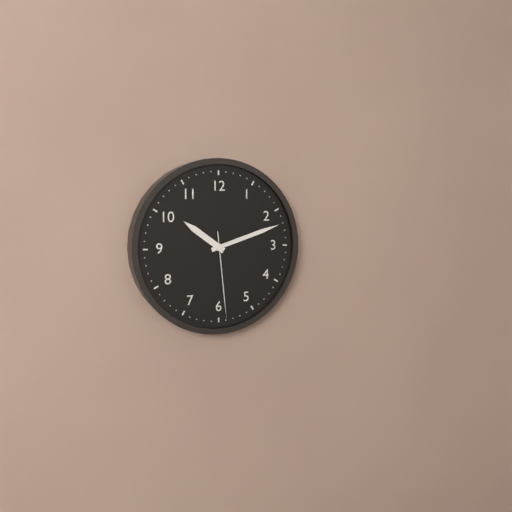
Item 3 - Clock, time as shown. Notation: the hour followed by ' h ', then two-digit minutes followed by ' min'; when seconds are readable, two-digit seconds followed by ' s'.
10 h 12 min 29 s
